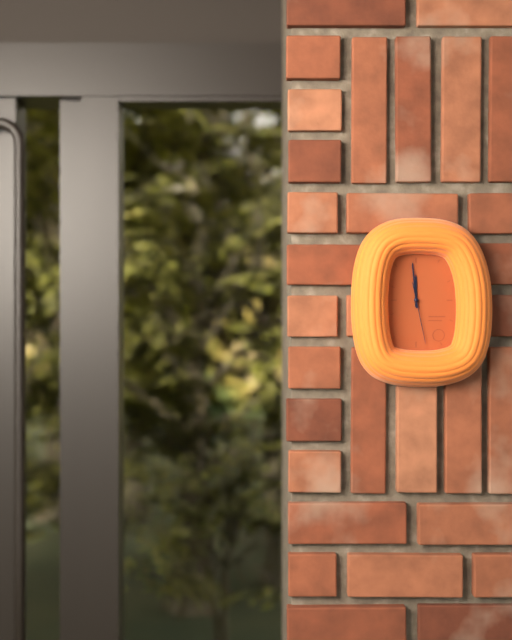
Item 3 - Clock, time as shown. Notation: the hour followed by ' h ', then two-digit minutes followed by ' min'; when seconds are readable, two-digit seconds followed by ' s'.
11 h 59 min 28 s
